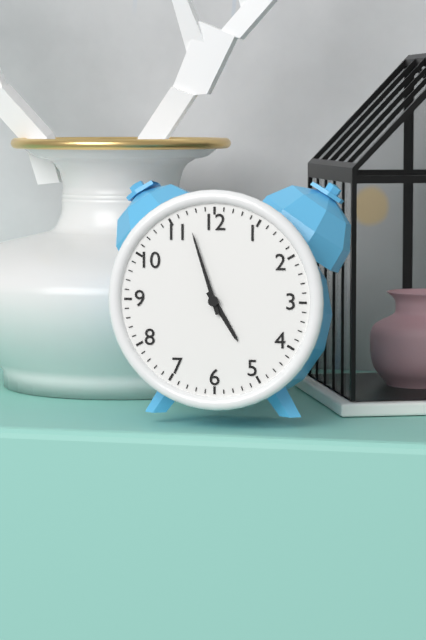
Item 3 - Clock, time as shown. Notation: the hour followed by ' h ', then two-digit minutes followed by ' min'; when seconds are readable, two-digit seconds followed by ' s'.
4 h 57 min
